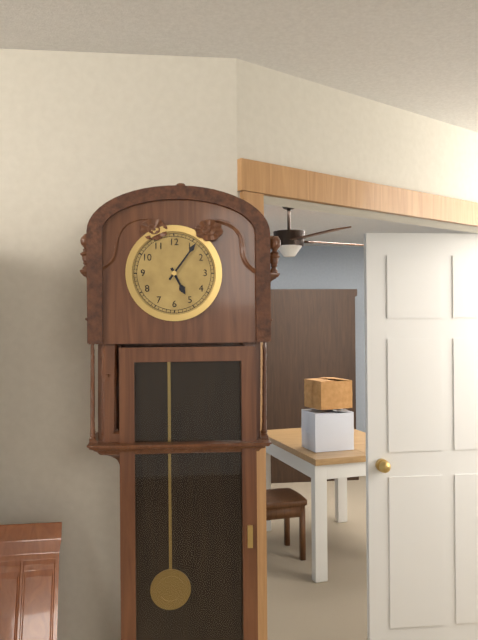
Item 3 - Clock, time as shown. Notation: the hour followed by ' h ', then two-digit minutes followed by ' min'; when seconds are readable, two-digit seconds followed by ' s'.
5 h 06 min
